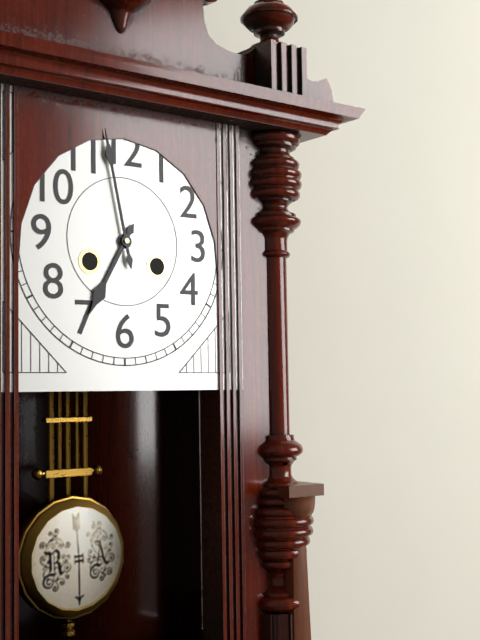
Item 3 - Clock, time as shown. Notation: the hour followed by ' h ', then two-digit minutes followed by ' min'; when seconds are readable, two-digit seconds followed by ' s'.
6 h 58 min
